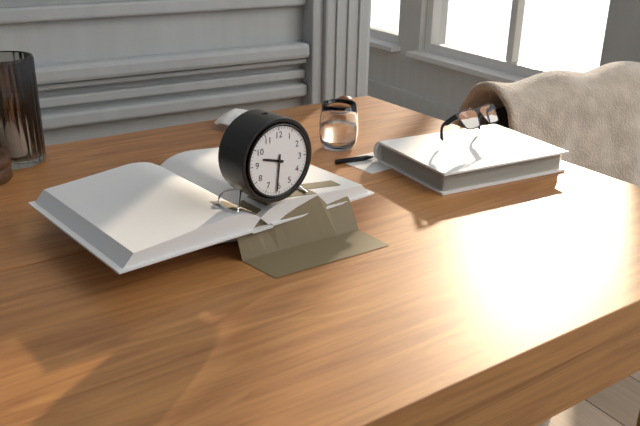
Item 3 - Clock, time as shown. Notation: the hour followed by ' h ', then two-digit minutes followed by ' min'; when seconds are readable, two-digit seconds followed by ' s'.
9 h 31 min
